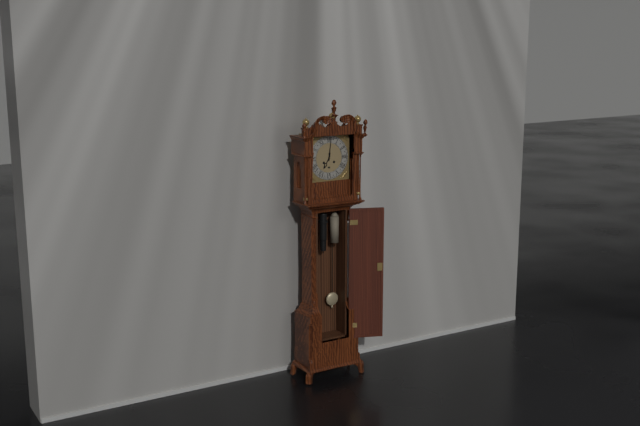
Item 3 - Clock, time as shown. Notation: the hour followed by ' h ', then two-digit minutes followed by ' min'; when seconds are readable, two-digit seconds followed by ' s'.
7 h 01 min
